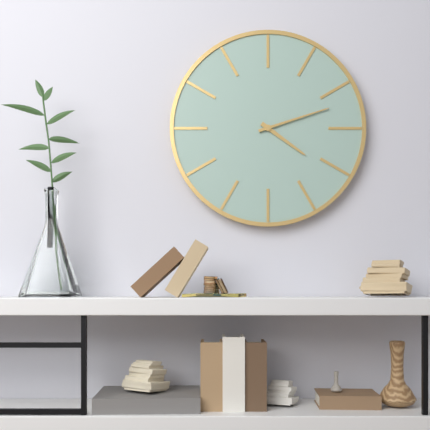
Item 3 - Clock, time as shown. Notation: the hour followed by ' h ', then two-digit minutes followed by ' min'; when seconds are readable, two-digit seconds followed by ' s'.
4 h 12 min
